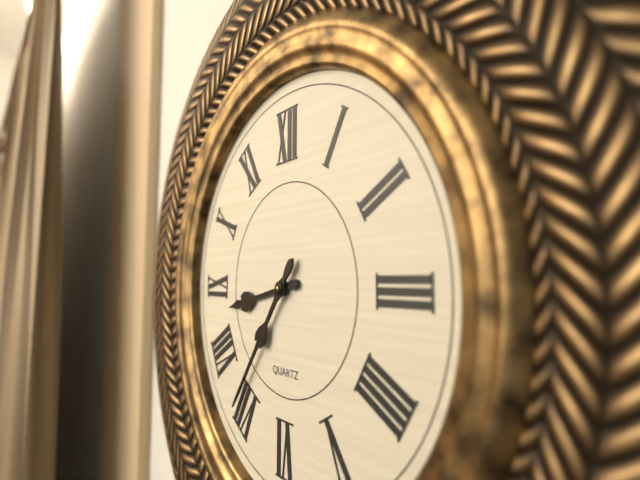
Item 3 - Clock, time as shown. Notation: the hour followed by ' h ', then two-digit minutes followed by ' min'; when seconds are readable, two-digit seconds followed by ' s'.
8 h 36 min
